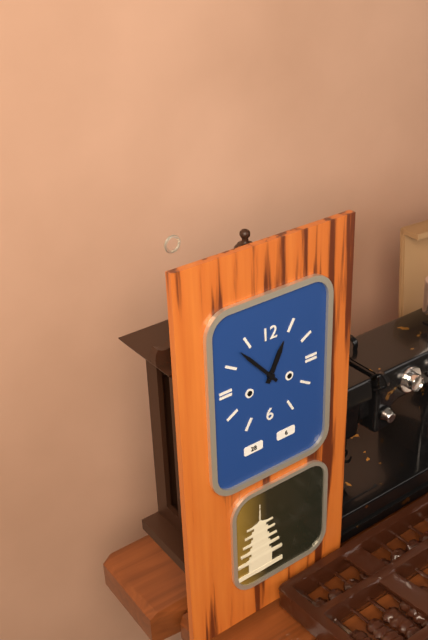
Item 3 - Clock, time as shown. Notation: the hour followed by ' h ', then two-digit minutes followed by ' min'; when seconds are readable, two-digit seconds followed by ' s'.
12 h 53 min
